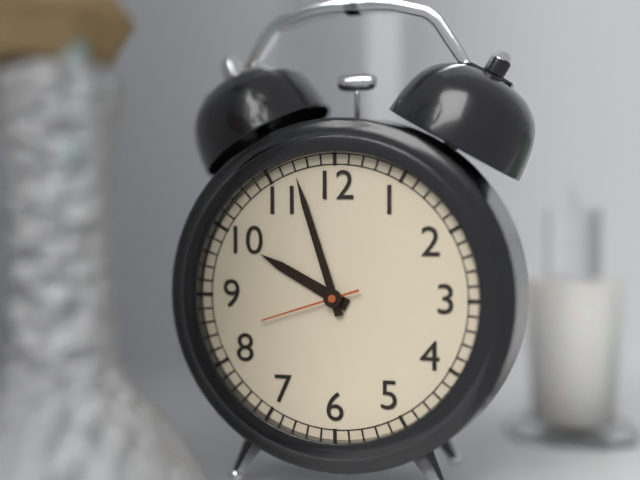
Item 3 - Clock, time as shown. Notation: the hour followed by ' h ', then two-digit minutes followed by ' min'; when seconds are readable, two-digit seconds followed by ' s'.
9 h 57 min 42 s
